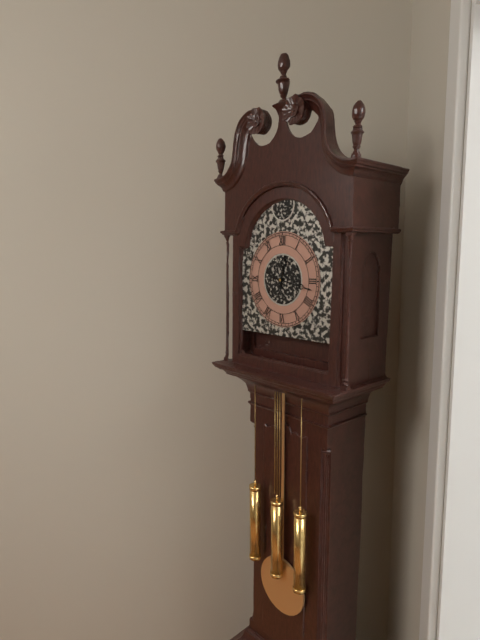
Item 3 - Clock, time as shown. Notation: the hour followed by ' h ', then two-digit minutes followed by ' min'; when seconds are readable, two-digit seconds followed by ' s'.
12 h 17 min
